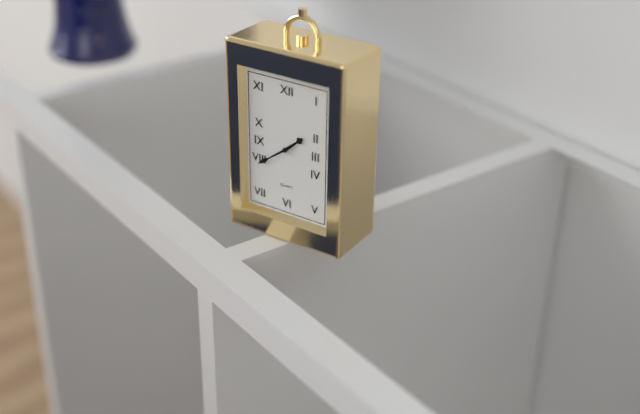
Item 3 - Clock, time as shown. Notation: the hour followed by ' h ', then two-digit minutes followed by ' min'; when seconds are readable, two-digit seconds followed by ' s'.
1 h 39 min
